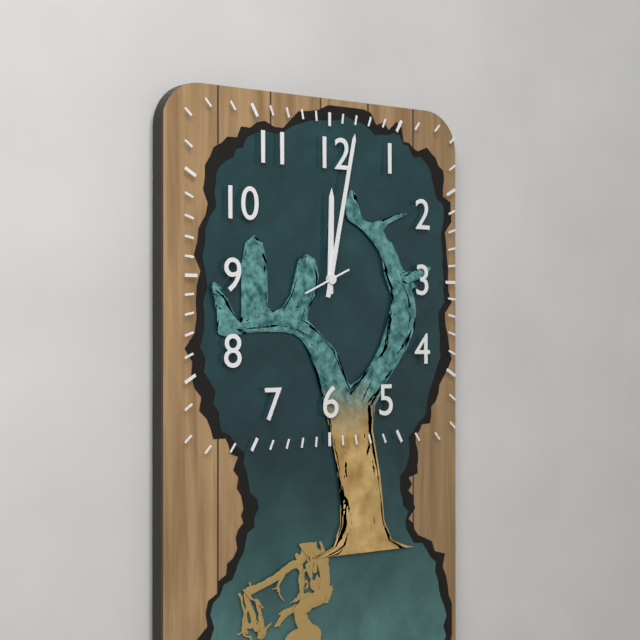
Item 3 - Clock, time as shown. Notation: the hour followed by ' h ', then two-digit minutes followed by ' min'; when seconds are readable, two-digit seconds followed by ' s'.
12 h 02 min
